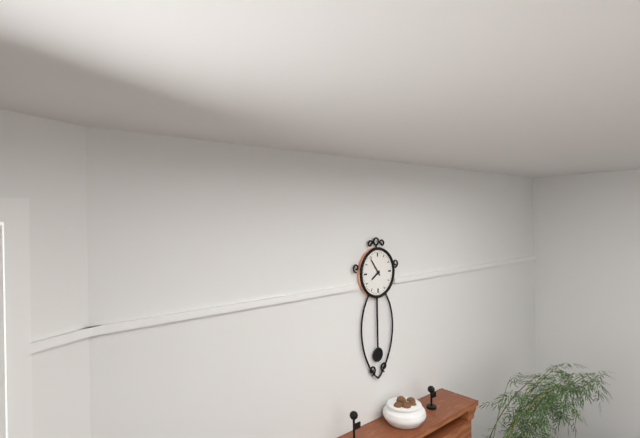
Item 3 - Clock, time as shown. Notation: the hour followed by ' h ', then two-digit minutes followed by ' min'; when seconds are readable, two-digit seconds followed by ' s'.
7 h 54 min
